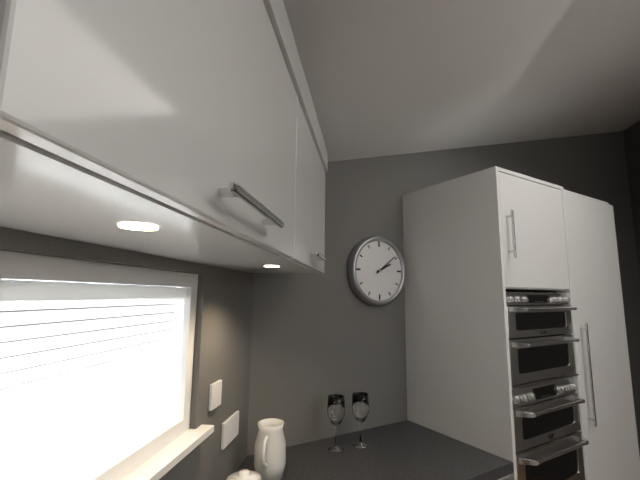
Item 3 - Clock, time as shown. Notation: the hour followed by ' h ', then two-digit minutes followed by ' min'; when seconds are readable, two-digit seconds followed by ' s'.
2 h 09 min
